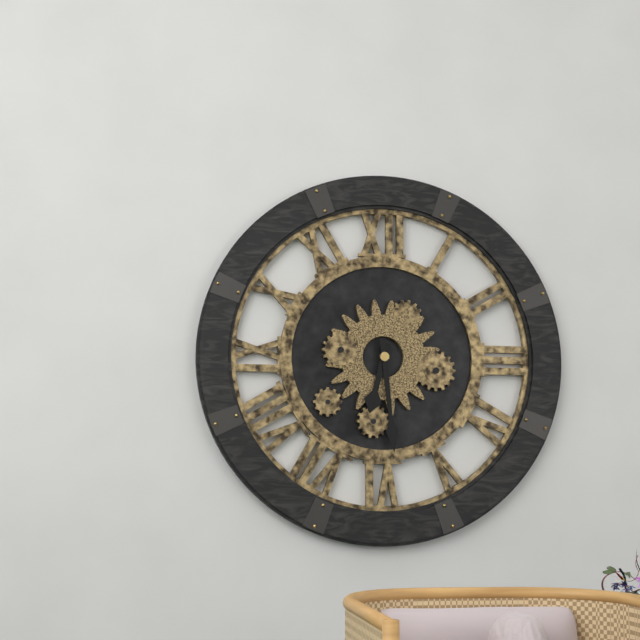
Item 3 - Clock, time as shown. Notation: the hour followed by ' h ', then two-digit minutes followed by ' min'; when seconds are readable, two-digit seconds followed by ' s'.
6 h 29 min
